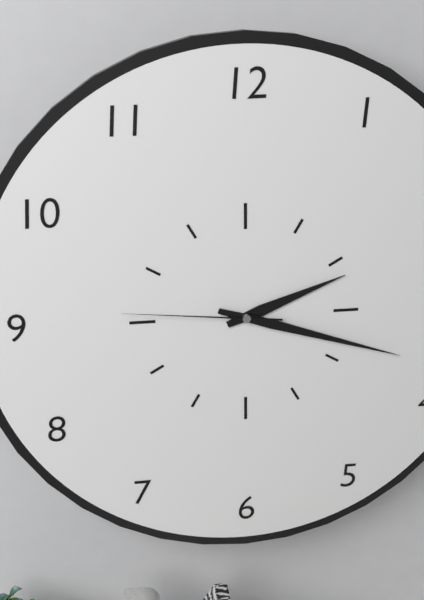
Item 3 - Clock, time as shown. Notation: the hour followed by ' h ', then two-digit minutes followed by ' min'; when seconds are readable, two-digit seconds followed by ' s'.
2 h 18 min 46 s
